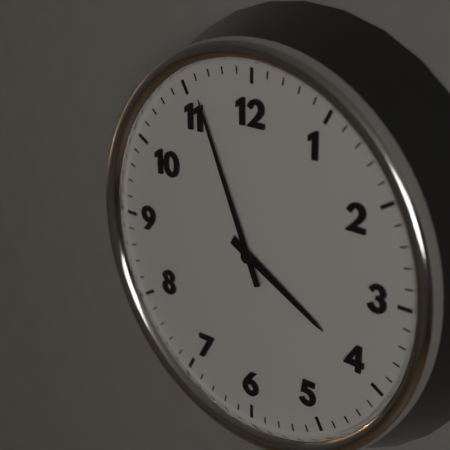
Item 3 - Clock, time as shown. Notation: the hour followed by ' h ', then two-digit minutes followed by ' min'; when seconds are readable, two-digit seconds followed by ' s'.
3 h 56 min
